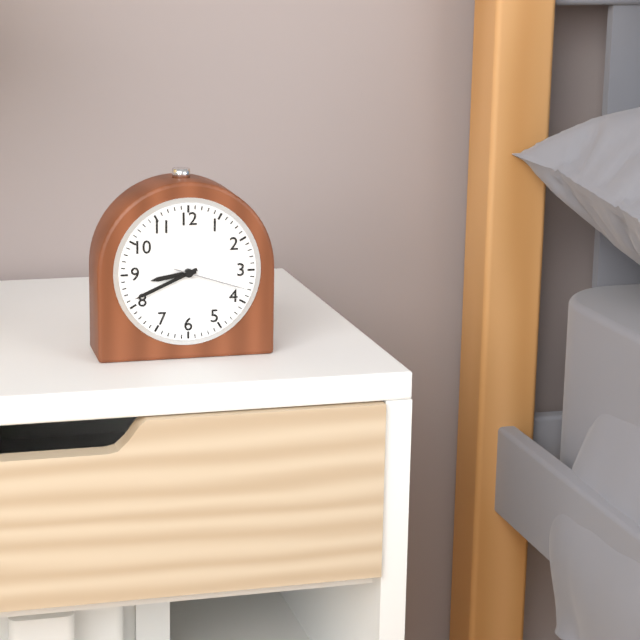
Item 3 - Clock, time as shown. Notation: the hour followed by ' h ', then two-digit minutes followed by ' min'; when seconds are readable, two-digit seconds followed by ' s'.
8 h 41 min 18 s
